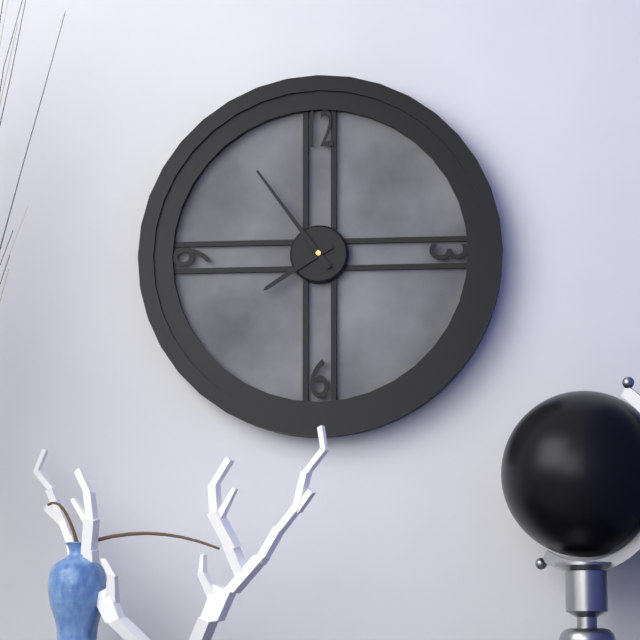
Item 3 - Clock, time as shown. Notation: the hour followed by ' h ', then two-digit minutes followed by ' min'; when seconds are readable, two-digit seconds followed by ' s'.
7 h 54 min
